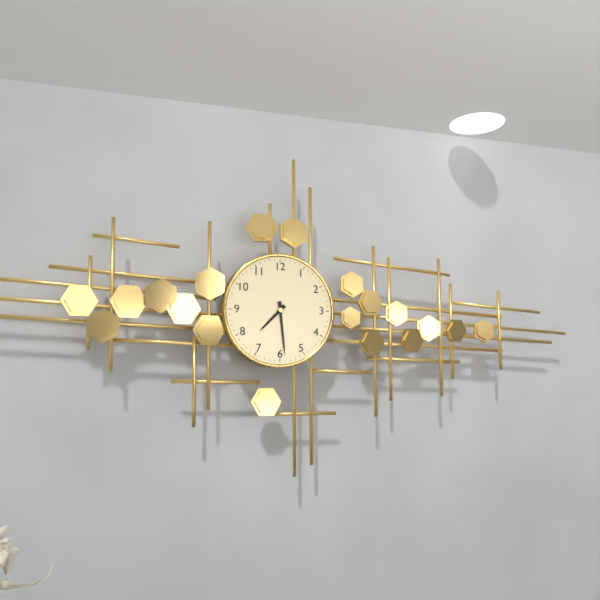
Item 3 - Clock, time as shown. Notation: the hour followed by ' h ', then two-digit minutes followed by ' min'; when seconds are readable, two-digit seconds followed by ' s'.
7 h 29 min
